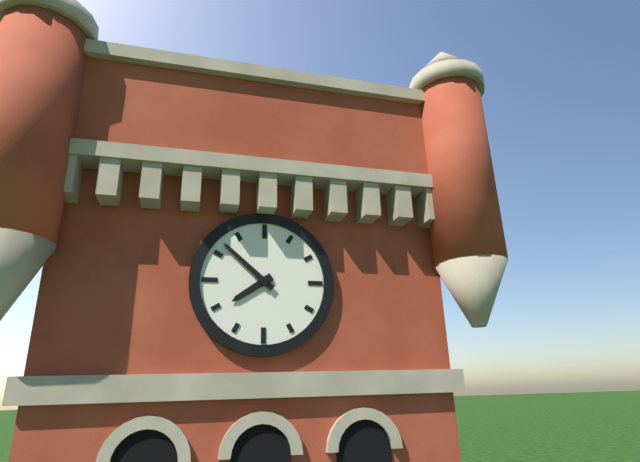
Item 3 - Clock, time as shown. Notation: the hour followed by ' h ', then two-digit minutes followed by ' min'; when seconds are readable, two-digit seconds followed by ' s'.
7 h 52 min
